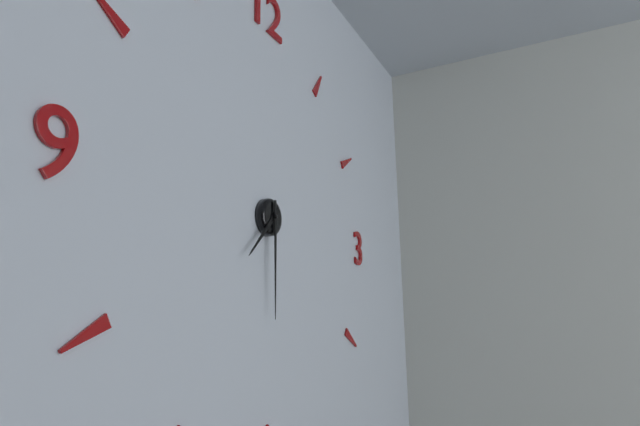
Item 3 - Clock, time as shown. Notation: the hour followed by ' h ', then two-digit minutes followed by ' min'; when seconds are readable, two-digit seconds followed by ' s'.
7 h 30 min
